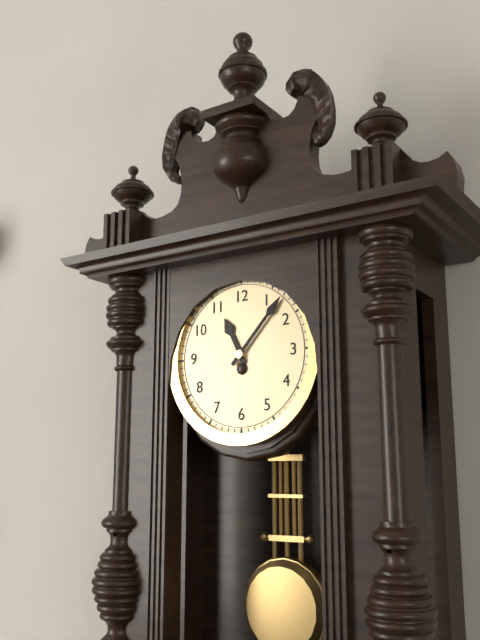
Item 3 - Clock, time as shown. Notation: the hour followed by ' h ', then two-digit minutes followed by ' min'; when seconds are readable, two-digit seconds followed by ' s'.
11 h 07 min
